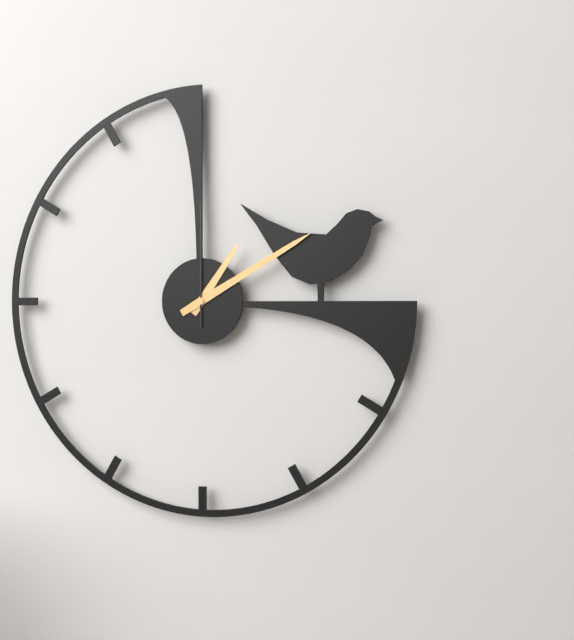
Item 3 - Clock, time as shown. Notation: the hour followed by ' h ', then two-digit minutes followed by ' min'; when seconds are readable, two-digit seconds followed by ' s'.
1 h 10 min 00 s
